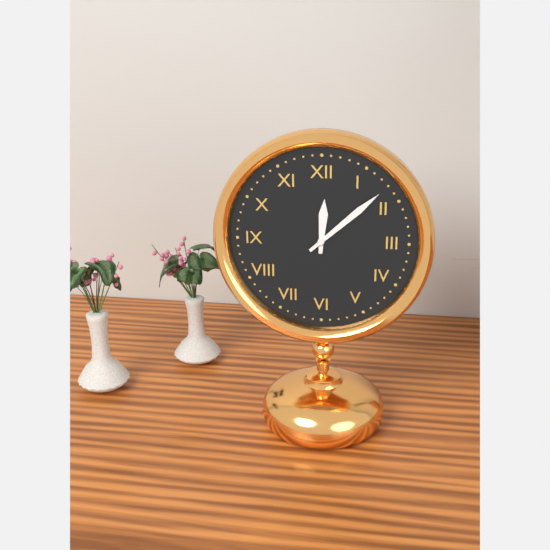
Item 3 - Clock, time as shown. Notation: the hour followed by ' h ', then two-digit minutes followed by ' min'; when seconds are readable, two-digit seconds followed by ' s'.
12 h 08 min
